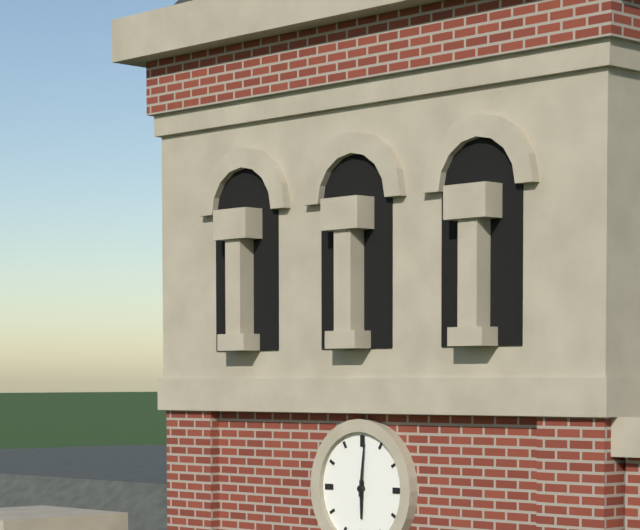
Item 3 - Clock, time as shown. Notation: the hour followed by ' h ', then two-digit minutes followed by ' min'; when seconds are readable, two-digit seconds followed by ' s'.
6 h 01 min
